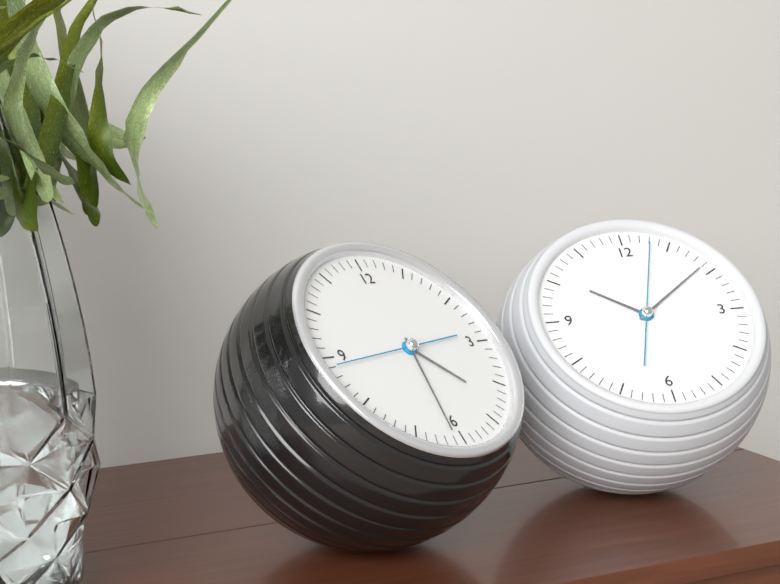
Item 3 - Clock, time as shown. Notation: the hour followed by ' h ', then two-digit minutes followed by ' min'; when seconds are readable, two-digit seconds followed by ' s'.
4 h 31 min 44 s
